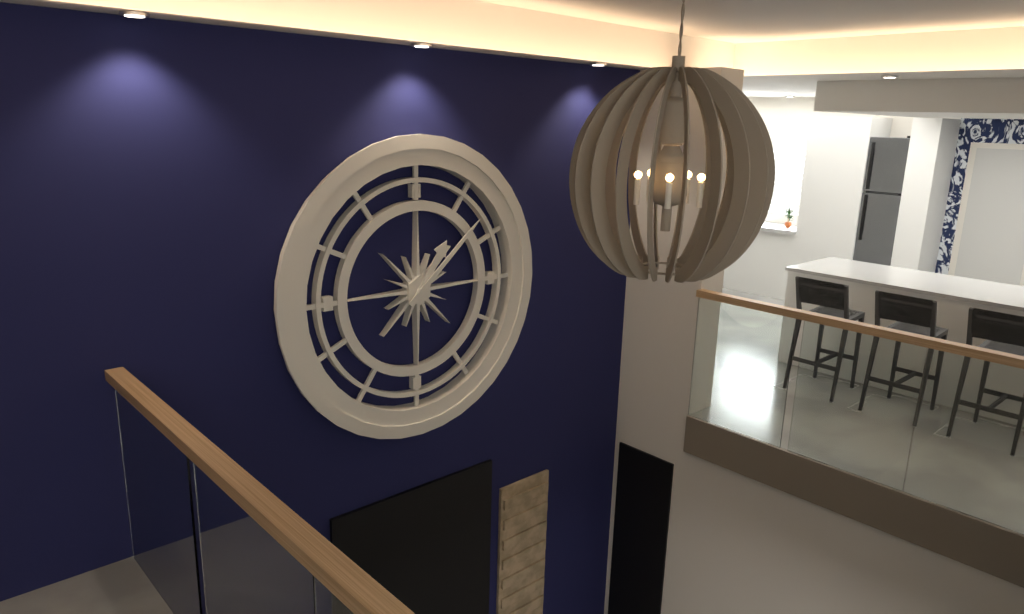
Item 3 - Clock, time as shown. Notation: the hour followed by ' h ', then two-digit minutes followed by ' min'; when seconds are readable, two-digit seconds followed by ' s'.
1 h 08 min
